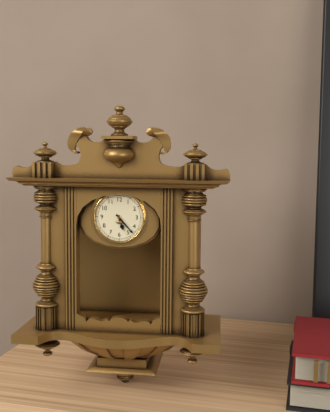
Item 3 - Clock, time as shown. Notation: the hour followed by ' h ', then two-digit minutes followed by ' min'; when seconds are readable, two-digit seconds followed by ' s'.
5 h 23 min
